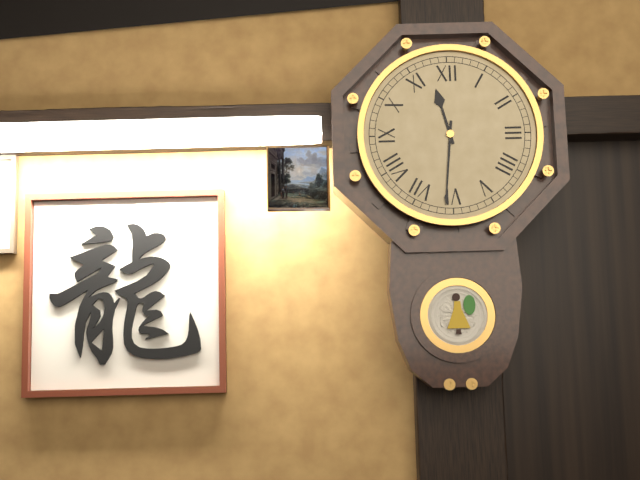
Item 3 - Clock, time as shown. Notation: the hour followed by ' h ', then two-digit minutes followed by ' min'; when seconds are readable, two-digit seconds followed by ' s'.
11 h 31 min
